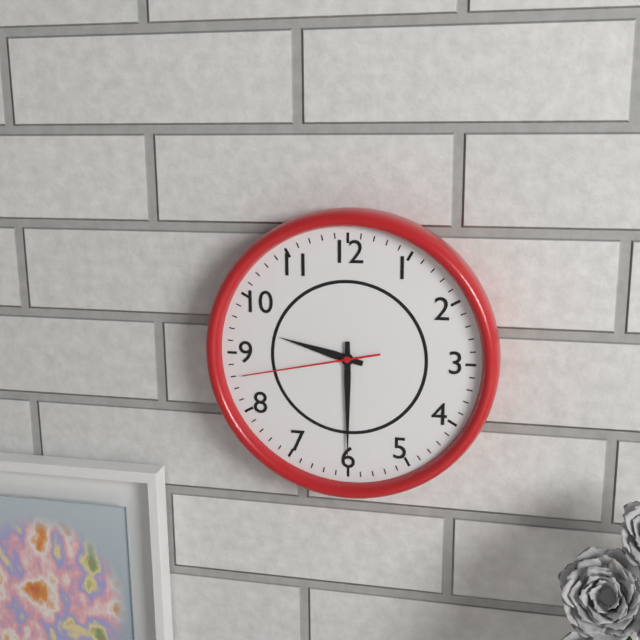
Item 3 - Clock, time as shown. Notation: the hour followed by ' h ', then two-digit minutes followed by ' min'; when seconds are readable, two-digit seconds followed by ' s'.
9 h 30 min 43 s
